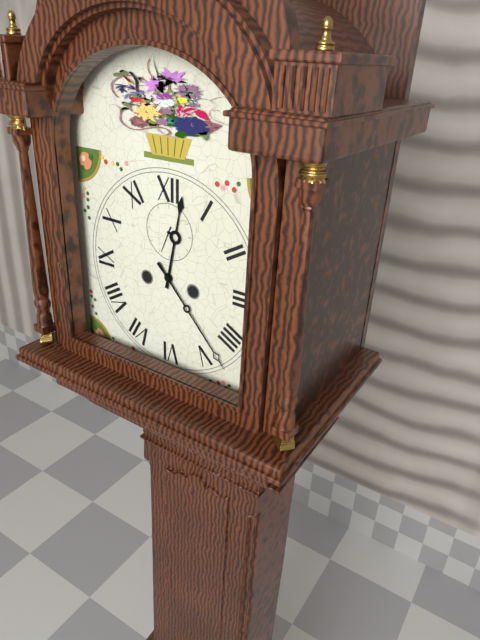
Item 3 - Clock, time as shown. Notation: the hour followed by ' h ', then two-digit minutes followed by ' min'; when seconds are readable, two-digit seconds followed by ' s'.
12 h 23 min
